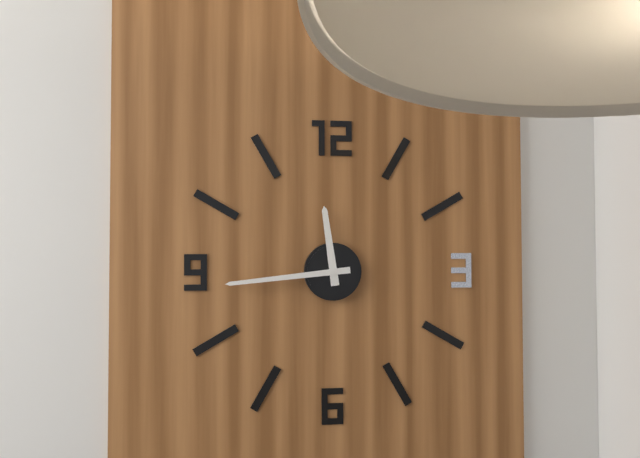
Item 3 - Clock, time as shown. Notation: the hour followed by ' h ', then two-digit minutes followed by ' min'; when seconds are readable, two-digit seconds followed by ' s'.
11 h 44 min
